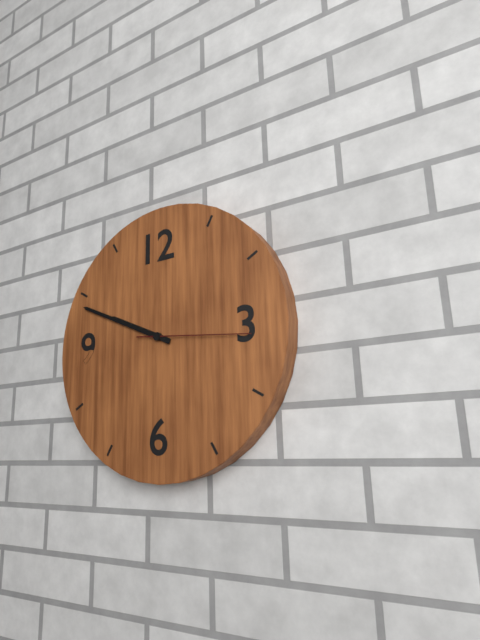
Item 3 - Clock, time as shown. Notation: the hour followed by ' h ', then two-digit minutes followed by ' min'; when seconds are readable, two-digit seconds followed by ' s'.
9 h 49 min 16 s
